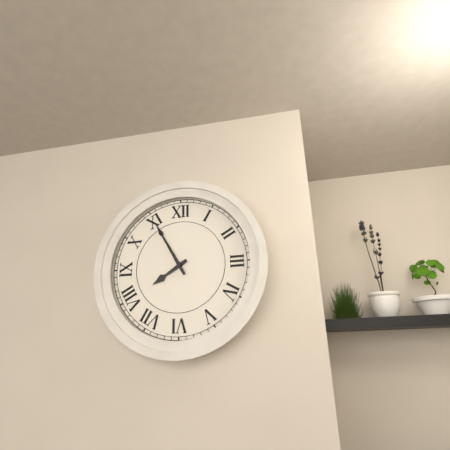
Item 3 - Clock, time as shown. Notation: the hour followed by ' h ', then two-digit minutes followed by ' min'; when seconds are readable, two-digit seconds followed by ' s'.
7 h 55 min
